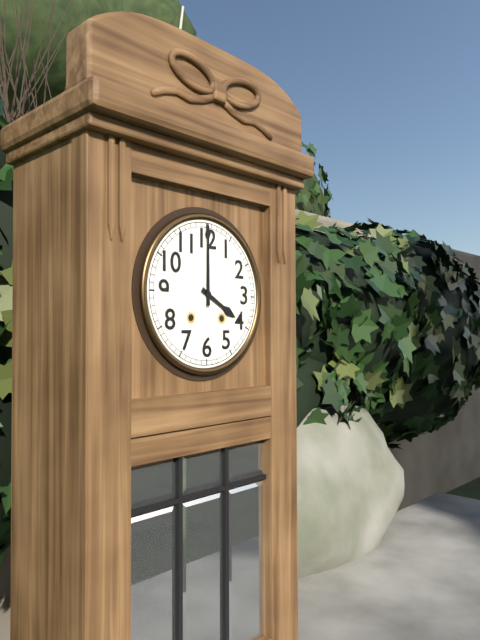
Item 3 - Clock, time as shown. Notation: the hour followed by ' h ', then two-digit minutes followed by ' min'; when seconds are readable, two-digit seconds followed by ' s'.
4 h 00 min
